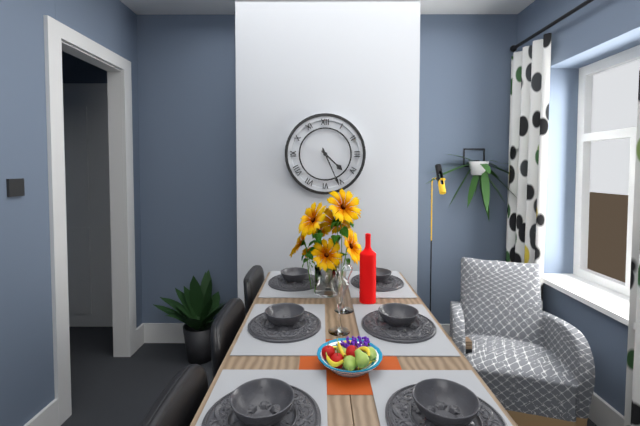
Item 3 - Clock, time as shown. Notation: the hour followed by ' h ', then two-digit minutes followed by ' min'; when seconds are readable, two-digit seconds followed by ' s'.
4 h 26 min
